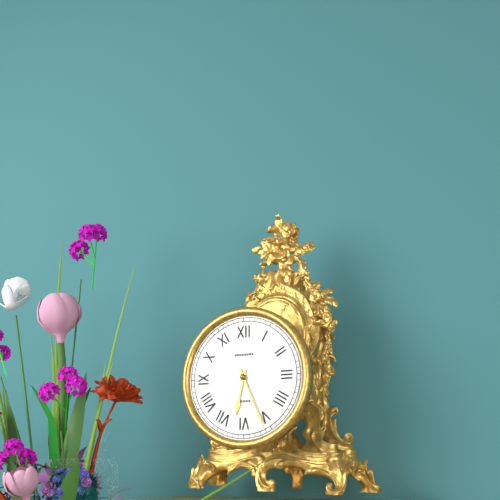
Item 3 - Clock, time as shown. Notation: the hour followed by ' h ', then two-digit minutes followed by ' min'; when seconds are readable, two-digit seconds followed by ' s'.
6 h 26 min
